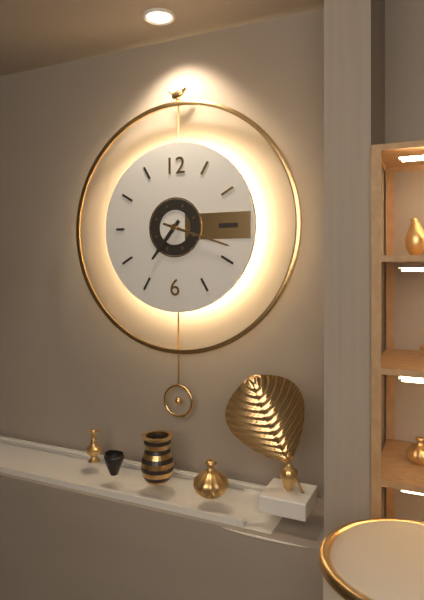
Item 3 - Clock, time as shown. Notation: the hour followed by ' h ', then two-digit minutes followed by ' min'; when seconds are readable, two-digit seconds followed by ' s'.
7 h 18 min
